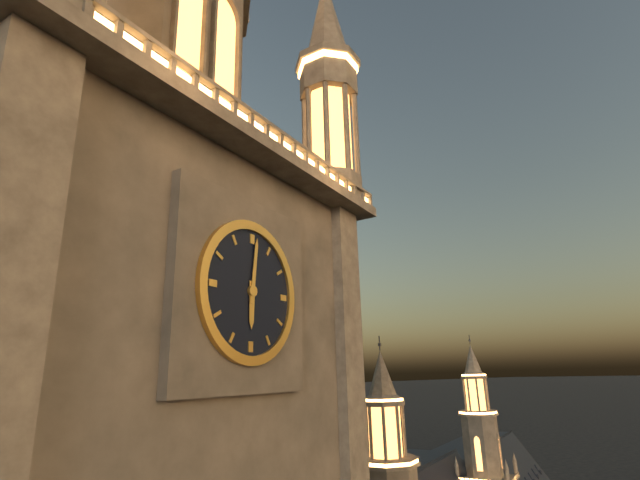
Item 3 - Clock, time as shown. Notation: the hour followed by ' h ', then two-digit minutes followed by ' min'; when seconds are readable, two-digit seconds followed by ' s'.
6 h 01 min
